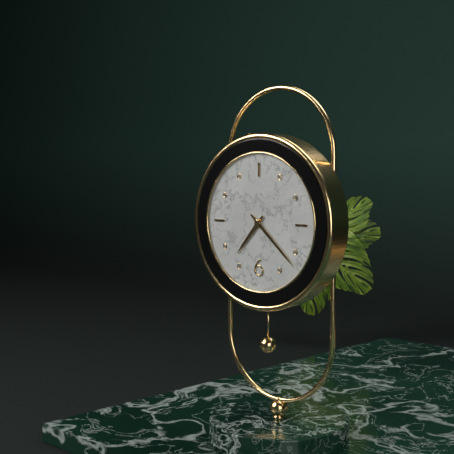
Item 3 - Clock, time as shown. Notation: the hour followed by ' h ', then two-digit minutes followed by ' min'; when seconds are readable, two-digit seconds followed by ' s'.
7 h 22 min
